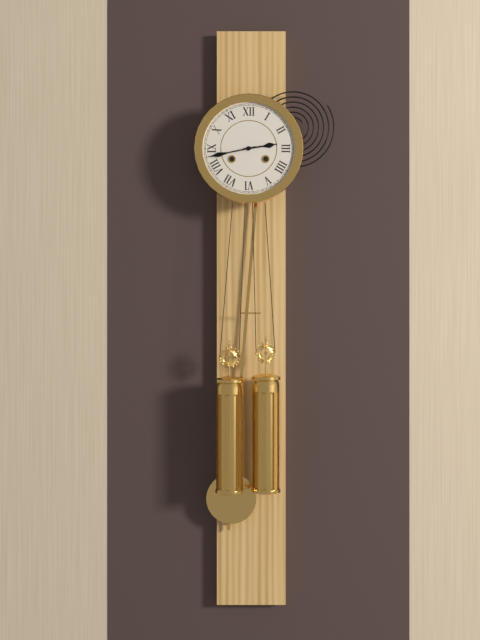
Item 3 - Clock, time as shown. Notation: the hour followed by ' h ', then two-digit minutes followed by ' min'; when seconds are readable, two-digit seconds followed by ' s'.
2 h 43 min
